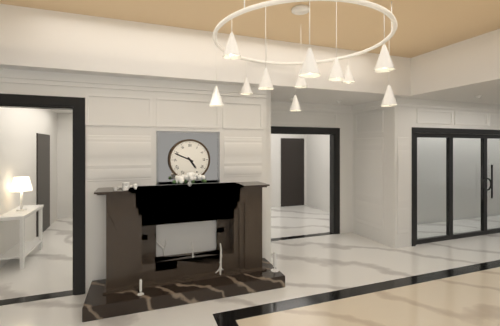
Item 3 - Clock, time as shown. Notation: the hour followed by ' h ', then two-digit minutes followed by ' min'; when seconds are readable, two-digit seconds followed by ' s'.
4 h 49 min
